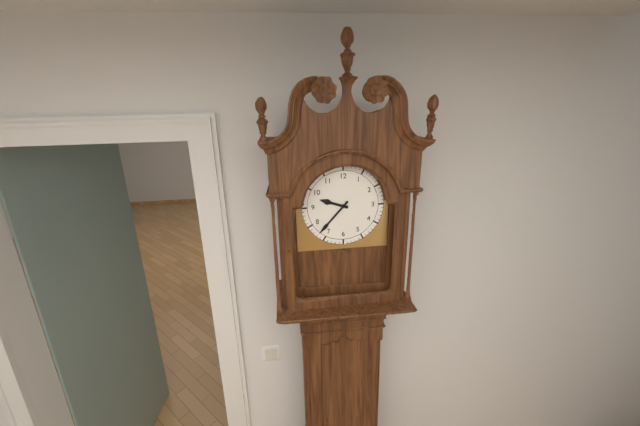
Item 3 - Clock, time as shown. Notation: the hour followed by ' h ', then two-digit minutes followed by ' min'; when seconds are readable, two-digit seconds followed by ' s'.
9 h 37 min
